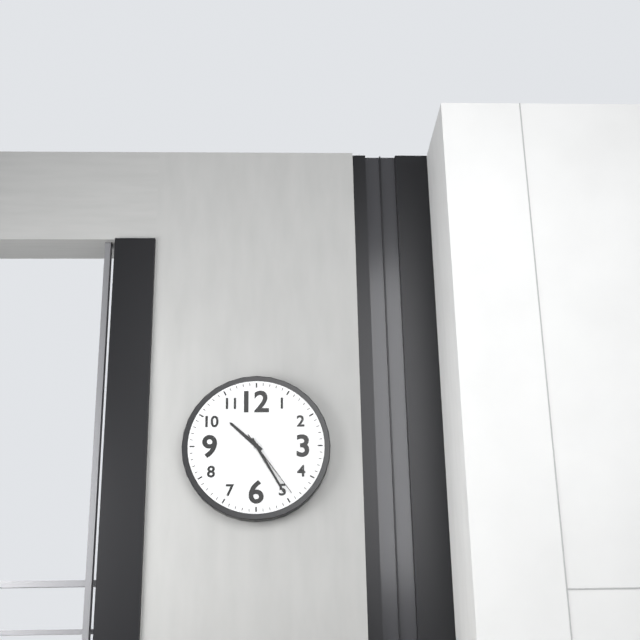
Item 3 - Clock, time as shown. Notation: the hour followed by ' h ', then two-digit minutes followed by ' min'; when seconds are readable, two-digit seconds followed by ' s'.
10 h 25 min 24 s
